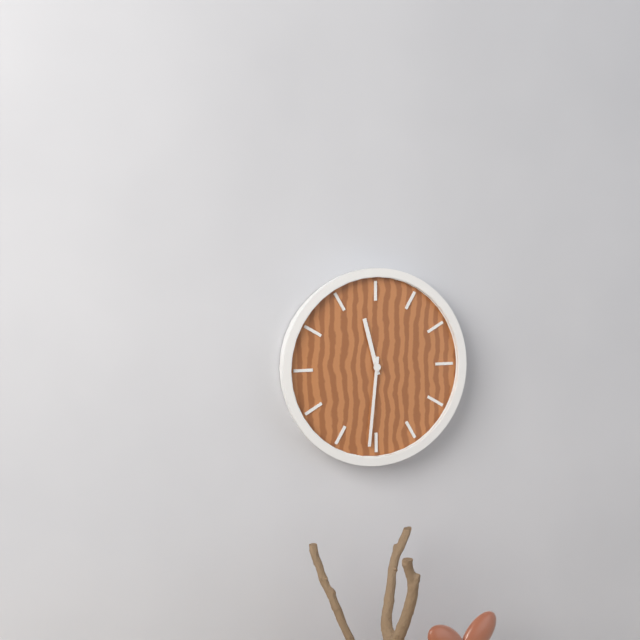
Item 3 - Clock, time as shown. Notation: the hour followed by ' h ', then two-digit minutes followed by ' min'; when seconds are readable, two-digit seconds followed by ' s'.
11 h 31 min
